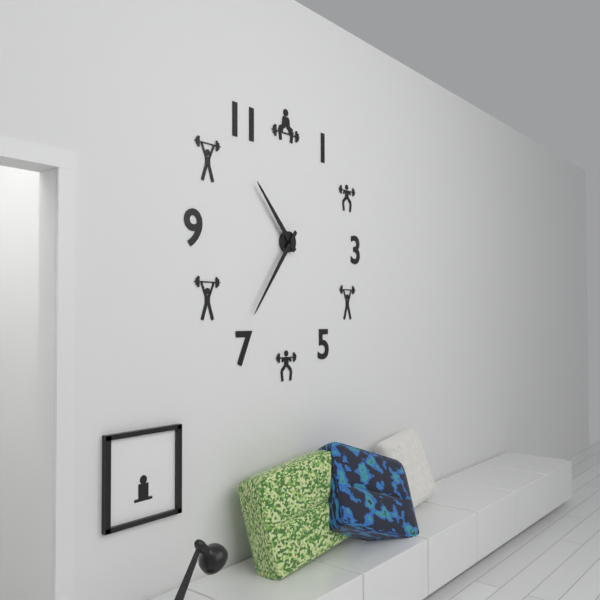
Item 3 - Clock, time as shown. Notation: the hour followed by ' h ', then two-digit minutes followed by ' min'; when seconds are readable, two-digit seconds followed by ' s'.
10 h 36 min
